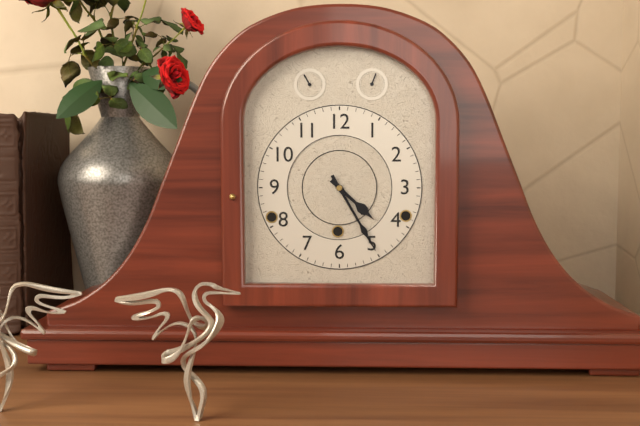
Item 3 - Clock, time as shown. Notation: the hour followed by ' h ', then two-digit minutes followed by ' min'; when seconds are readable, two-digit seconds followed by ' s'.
4 h 25 min
